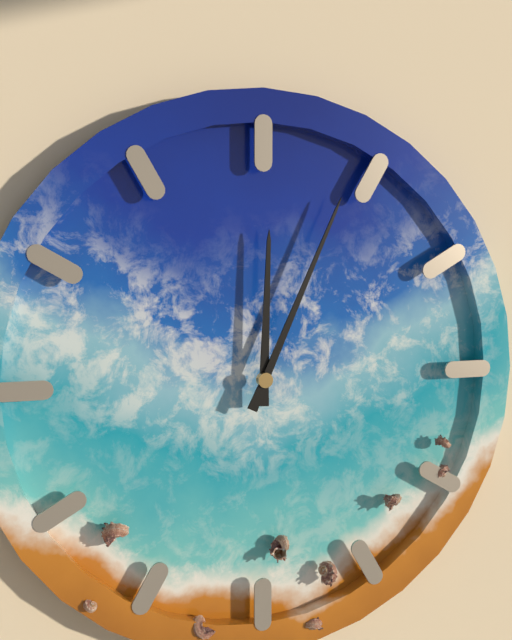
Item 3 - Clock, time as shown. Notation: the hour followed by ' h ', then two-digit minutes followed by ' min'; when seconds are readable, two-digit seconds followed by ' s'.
12 h 04 min
